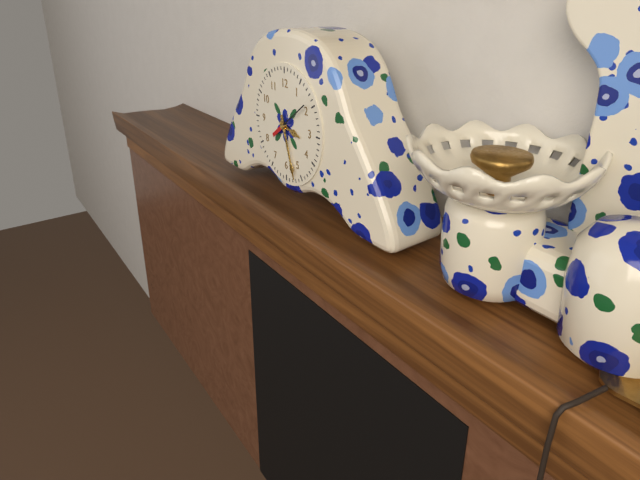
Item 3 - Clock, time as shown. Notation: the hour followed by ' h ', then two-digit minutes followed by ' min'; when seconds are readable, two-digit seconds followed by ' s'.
3 h 27 min
